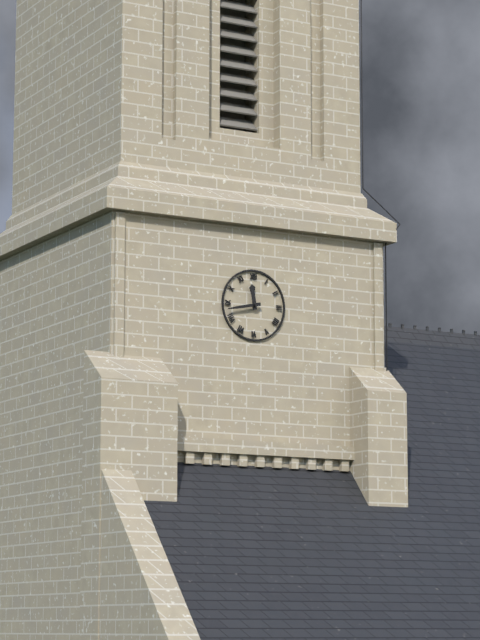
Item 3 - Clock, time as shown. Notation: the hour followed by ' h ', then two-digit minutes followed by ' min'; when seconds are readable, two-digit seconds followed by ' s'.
11 h 43 min
